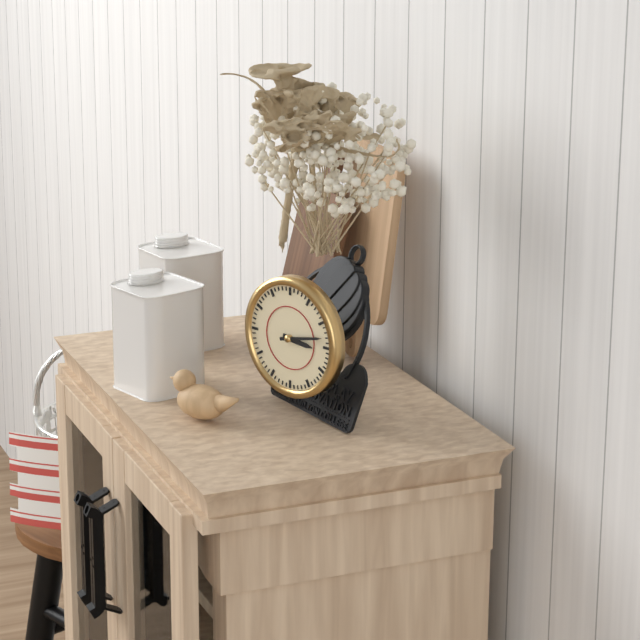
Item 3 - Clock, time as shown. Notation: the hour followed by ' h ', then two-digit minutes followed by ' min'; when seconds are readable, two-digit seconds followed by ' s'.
3 h 13 min
